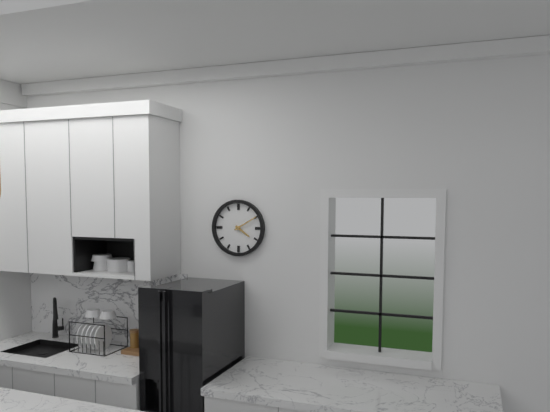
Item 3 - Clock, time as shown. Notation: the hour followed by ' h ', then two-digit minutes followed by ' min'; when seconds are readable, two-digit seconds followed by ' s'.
4 h 10 min
